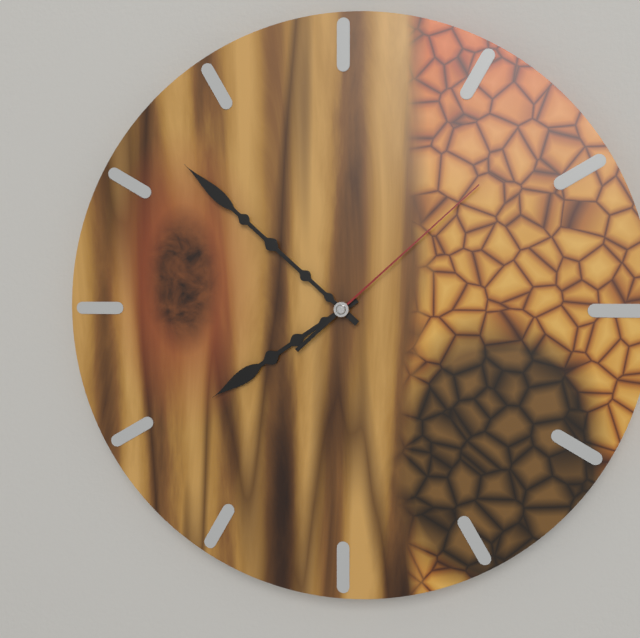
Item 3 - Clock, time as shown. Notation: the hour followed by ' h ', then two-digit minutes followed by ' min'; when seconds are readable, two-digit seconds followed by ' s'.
7 h 52 min 08 s
